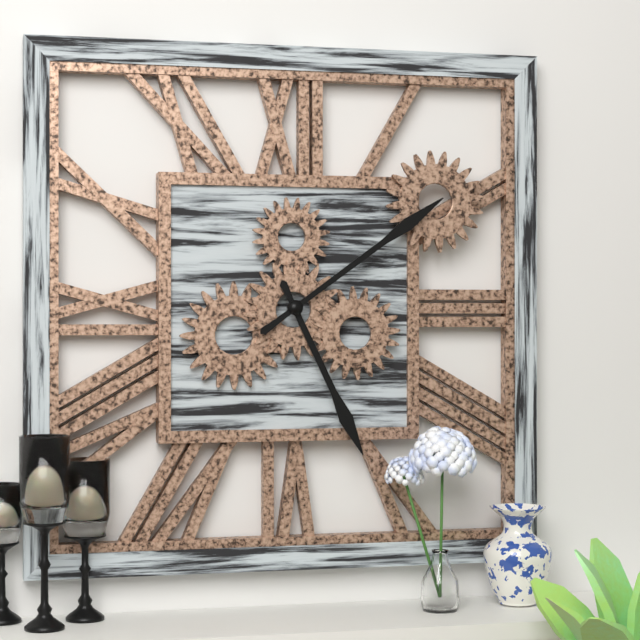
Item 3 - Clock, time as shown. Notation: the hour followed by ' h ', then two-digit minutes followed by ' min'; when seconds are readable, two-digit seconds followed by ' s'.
5 h 09 min
